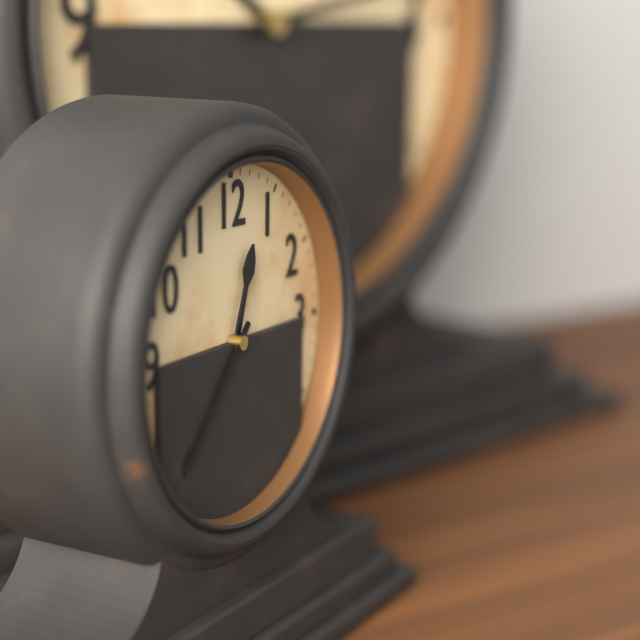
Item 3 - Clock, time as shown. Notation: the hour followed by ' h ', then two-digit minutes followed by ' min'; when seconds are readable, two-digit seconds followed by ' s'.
12 h 37 min
